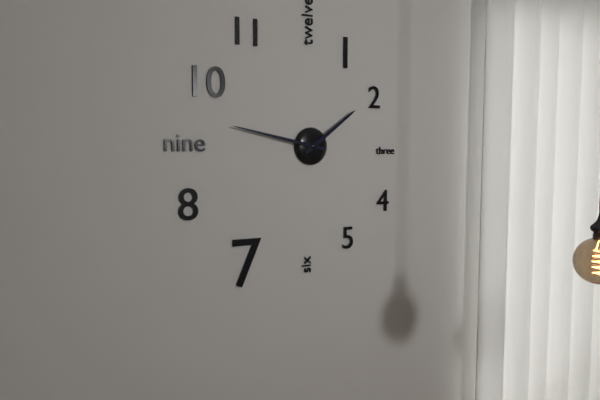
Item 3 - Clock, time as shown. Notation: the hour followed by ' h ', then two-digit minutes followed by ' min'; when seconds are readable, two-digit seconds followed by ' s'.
1 h 47 min
